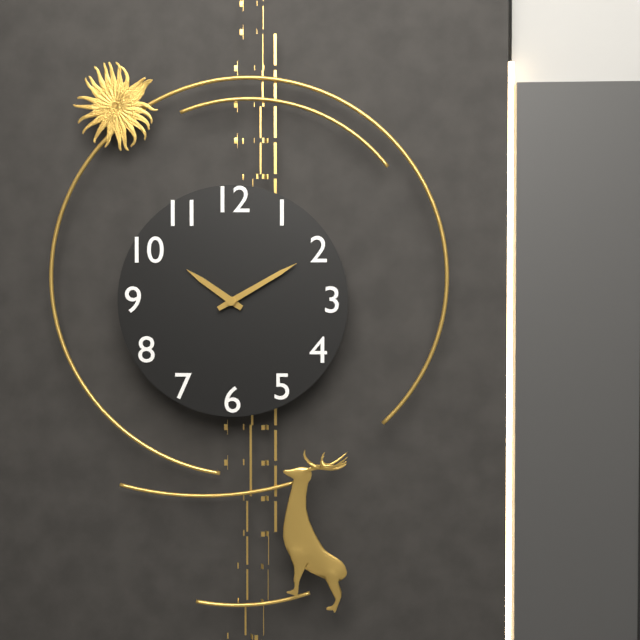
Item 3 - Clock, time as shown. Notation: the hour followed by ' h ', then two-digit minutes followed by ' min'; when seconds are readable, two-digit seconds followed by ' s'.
10 h 10 min
